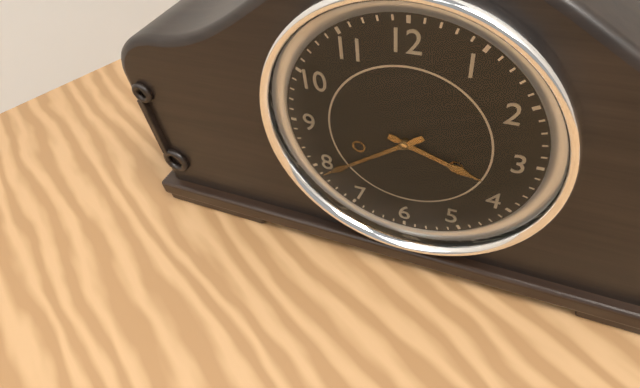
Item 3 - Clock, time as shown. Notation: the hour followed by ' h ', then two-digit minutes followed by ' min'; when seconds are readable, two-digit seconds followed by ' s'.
3 h 39 min
